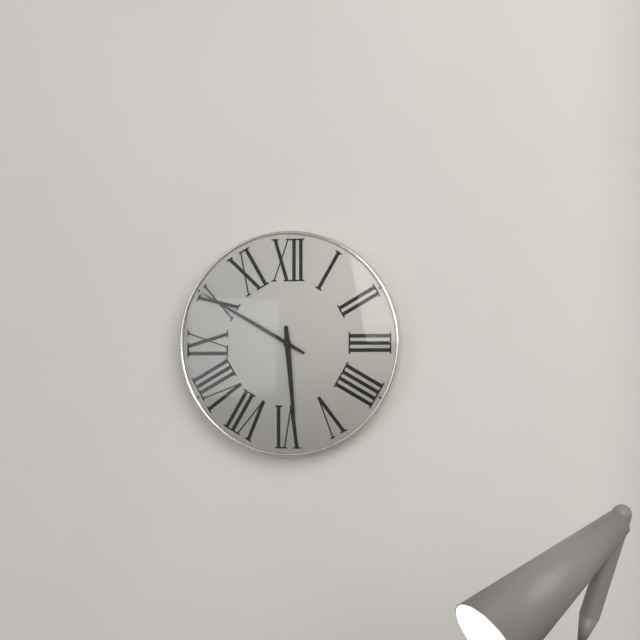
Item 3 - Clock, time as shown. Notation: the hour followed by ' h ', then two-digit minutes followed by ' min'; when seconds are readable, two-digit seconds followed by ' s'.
5 h 50 min
